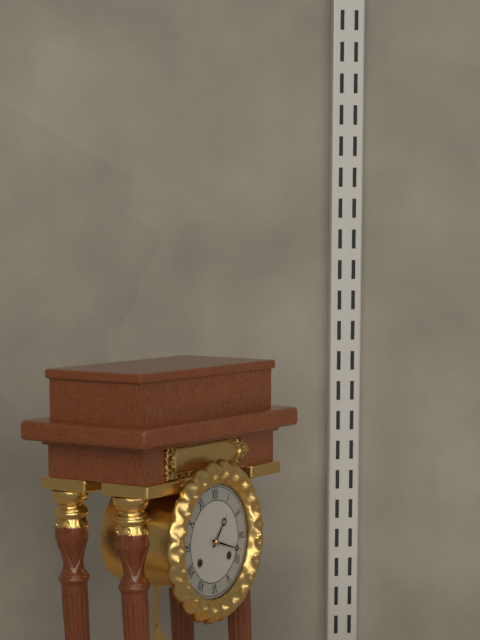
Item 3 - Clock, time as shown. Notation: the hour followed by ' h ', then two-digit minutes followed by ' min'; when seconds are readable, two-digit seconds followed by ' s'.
1 h 18 min
